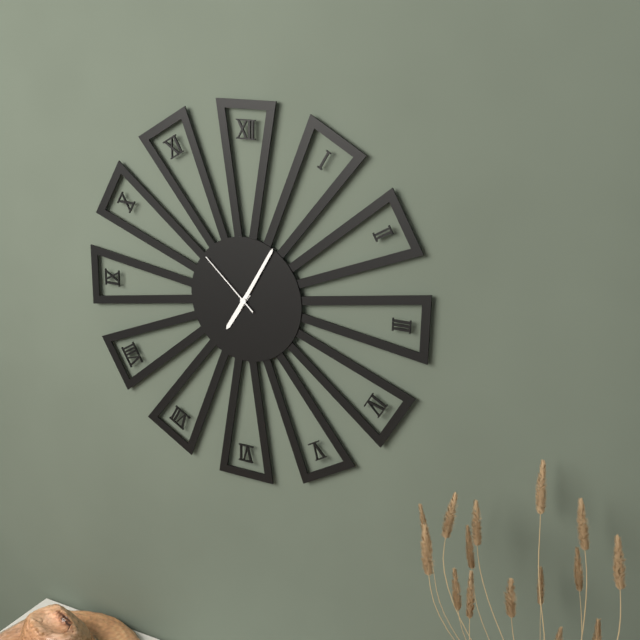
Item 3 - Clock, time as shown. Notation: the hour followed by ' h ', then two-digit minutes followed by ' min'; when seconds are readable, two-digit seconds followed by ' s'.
7 h 05 min 52 s
